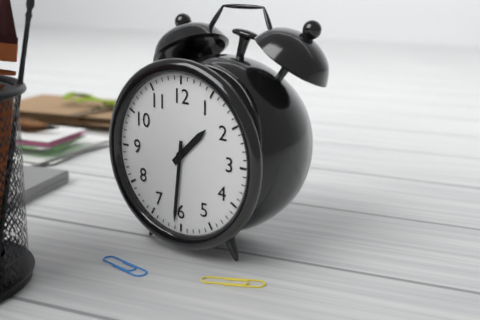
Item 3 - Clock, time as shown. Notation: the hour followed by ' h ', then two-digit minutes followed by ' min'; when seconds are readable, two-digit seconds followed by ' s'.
1 h 31 min
